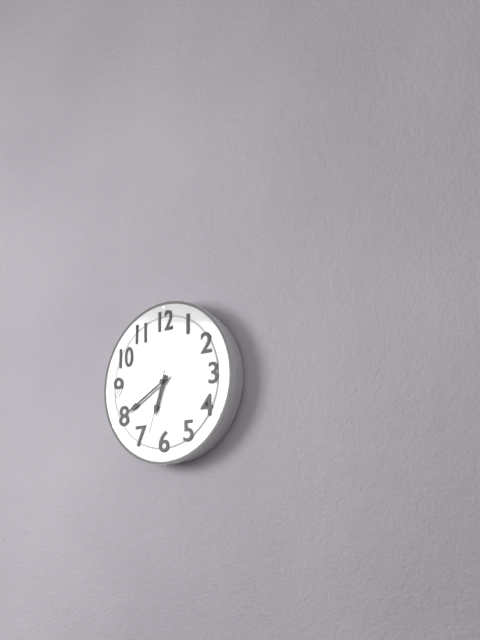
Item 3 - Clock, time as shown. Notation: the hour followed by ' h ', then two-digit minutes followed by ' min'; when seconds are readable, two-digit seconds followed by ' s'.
6 h 40 min 33 s
